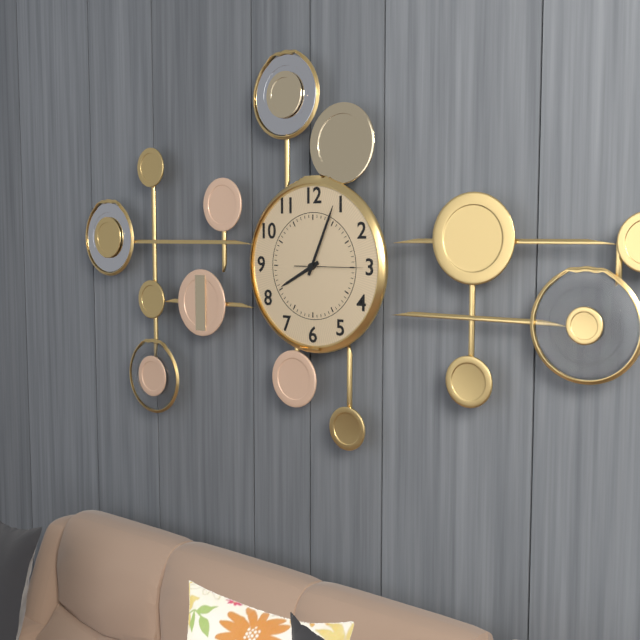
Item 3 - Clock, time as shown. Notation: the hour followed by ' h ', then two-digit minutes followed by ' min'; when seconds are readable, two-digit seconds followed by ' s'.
8 h 04 min 15 s
